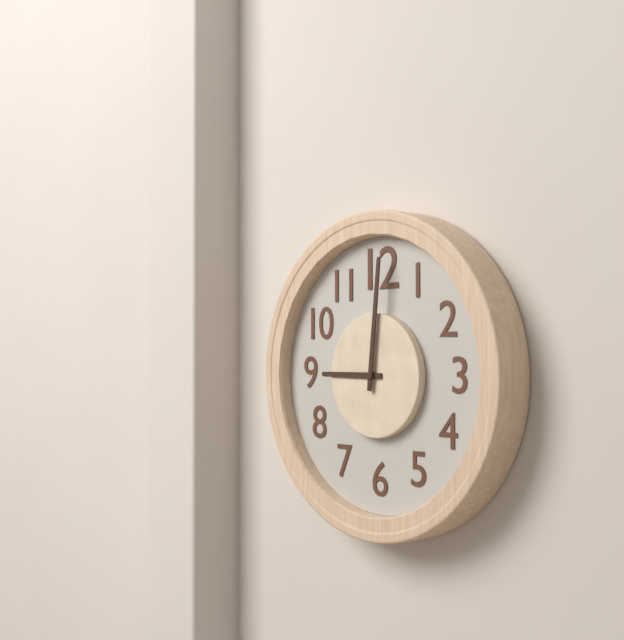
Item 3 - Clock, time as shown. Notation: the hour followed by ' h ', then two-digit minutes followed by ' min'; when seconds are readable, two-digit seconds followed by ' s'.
9 h 01 min
